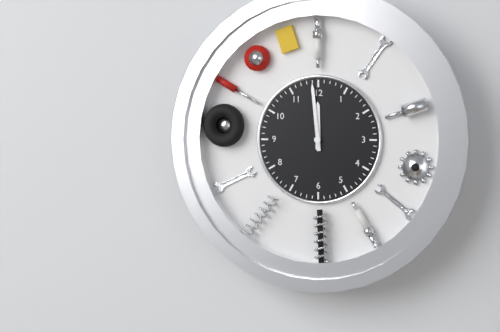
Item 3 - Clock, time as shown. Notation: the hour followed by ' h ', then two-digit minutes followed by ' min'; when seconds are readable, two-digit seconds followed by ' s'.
11 h 59 min
